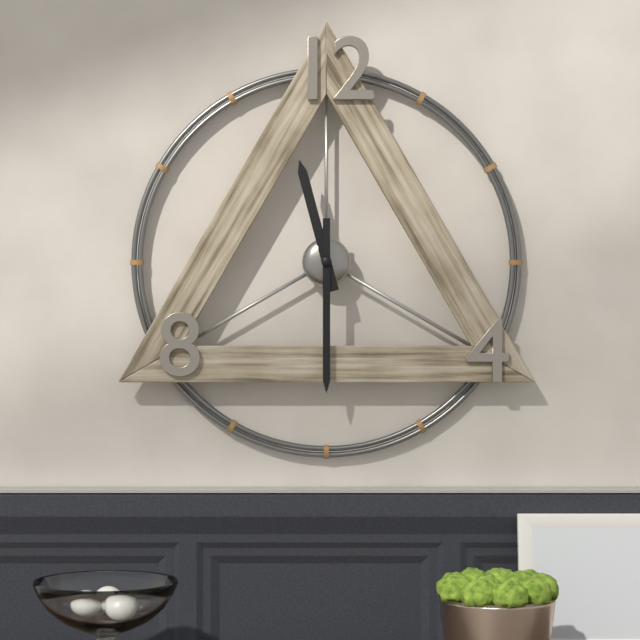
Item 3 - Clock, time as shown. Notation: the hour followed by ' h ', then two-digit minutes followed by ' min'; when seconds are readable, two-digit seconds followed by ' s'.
11 h 30 min
